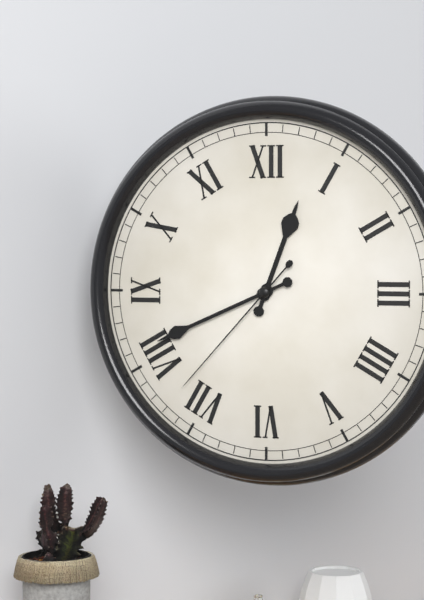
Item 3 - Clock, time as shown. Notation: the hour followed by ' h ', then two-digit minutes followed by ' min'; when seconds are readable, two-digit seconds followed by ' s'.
12 h 41 min 37 s
